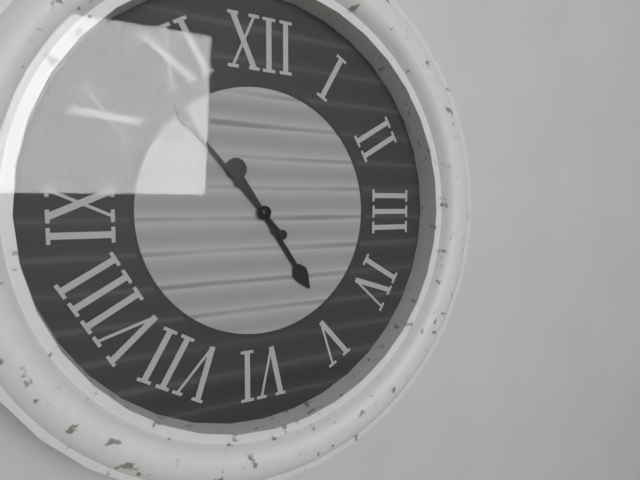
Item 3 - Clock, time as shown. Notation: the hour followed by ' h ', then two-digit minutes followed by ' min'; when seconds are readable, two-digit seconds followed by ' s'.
4 h 53 min
